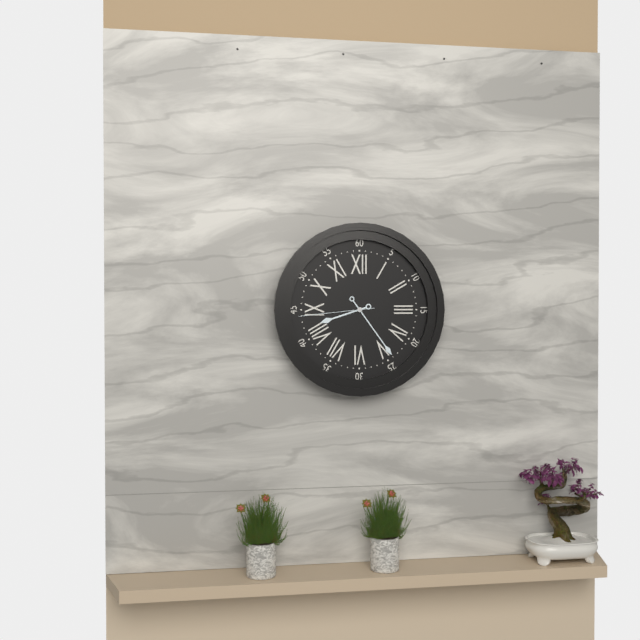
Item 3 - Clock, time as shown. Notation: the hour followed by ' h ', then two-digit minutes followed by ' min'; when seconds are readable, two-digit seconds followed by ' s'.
8 h 24 min 44 s
